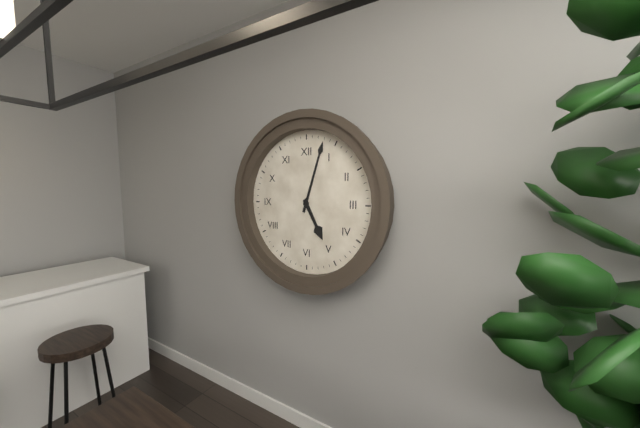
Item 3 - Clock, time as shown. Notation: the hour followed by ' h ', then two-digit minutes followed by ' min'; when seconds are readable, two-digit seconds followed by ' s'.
5 h 03 min
